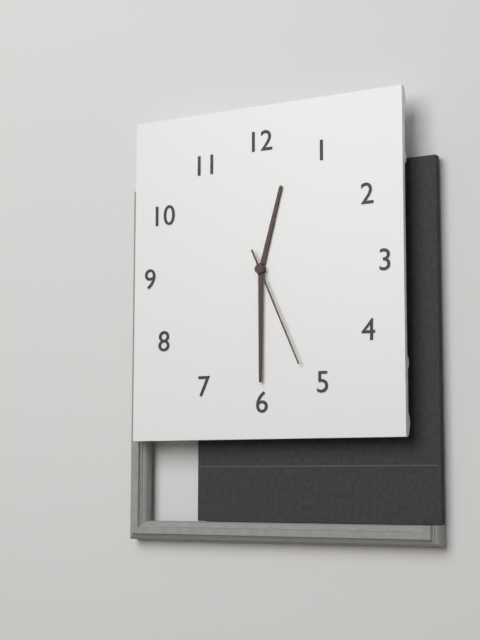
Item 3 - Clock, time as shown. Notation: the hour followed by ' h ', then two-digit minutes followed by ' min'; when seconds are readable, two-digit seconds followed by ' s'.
12 h 30 min 26 s
